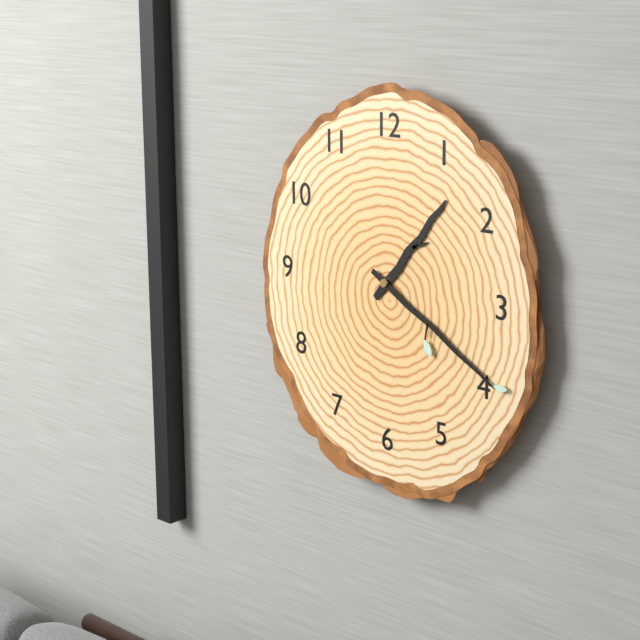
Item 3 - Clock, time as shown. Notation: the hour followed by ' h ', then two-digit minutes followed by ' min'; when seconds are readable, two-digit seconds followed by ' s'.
1 h 20 min
